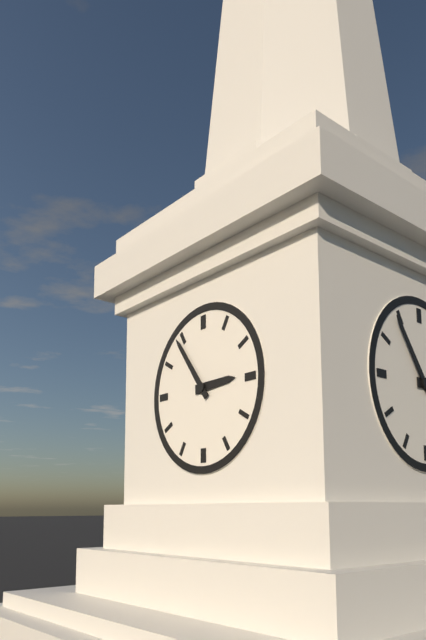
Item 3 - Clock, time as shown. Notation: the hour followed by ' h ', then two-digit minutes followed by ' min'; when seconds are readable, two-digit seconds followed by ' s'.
2 h 54 min
